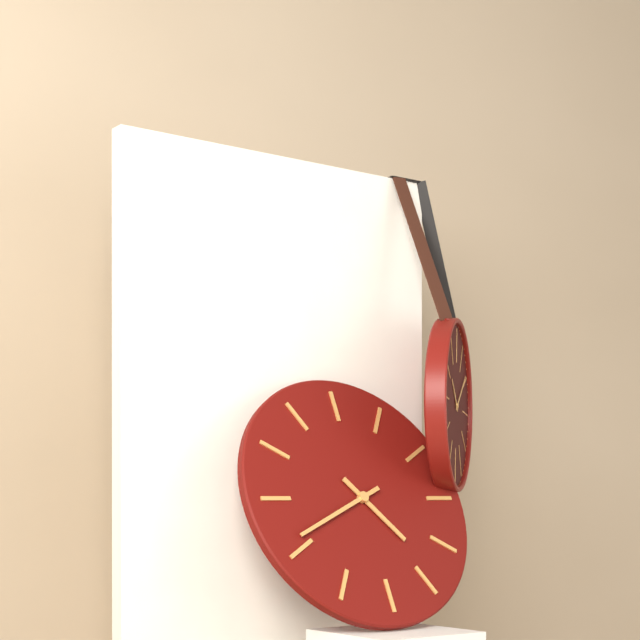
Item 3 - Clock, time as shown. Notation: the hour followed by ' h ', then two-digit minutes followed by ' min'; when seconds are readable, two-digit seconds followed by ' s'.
4 h 41 min
